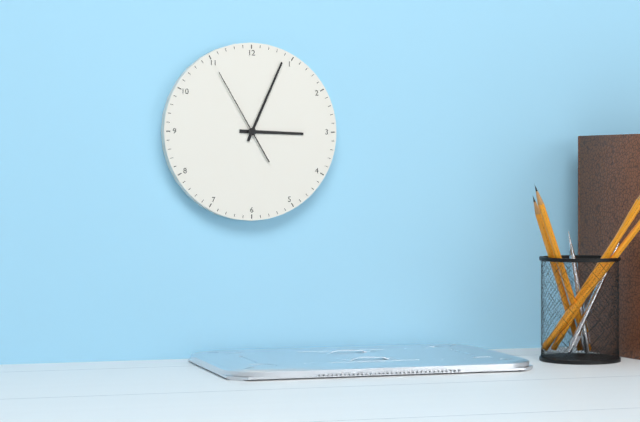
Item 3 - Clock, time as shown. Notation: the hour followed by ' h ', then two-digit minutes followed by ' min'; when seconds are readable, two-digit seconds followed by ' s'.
3 h 04 min 55 s
